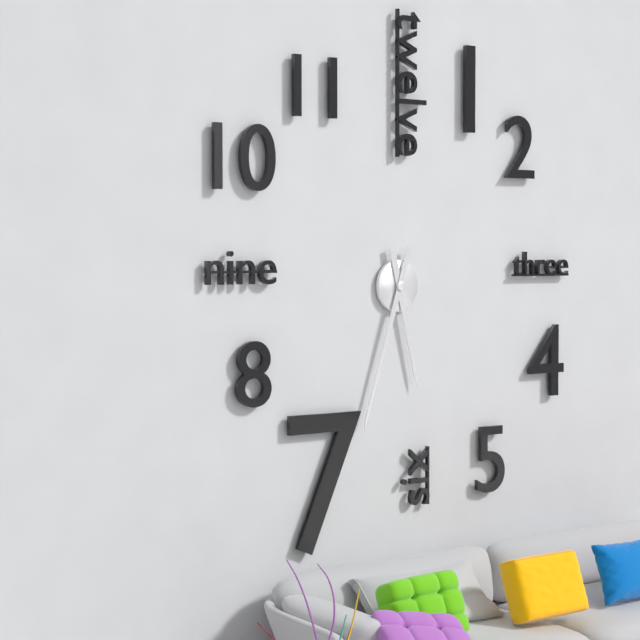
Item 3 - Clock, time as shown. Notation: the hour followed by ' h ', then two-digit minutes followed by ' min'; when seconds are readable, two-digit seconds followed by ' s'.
5 h 33 min
